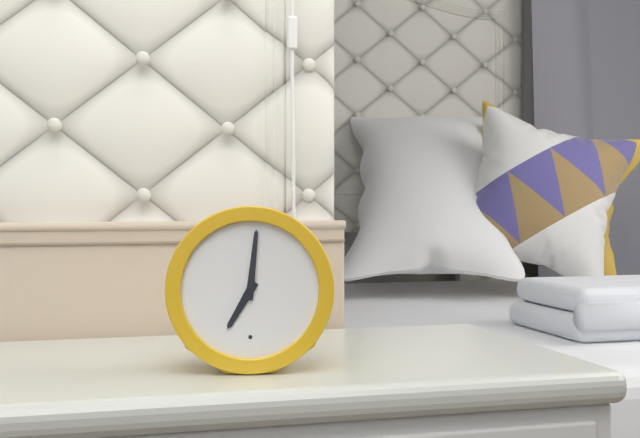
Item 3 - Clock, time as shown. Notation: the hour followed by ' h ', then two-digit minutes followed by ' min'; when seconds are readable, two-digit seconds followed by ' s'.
7 h 01 min
